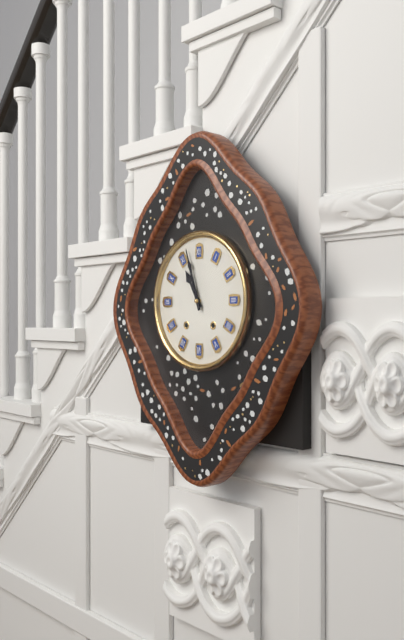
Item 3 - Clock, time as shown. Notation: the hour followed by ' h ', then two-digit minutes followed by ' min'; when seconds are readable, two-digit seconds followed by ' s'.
10 h 57 min
